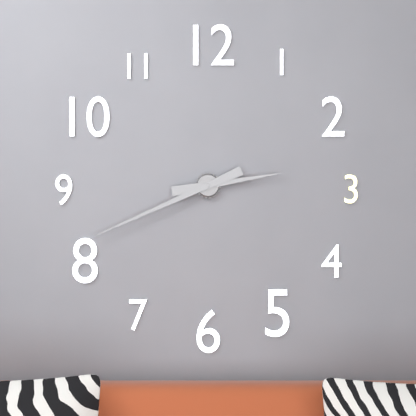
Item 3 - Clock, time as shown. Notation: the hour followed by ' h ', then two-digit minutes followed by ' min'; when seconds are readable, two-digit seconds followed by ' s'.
2 h 41 min
